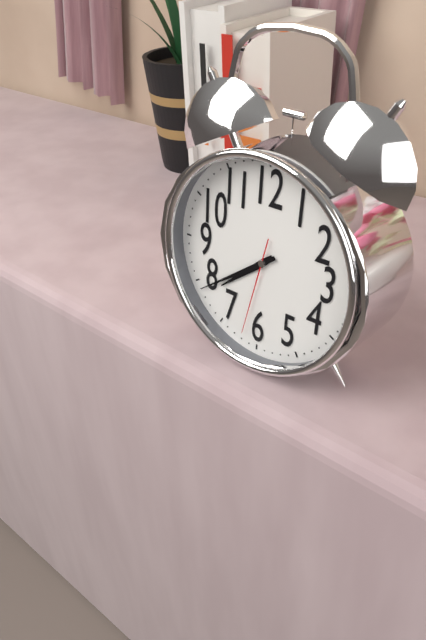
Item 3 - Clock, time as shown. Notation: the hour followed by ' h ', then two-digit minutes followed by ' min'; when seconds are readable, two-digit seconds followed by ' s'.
7 h 39 min 32 s
